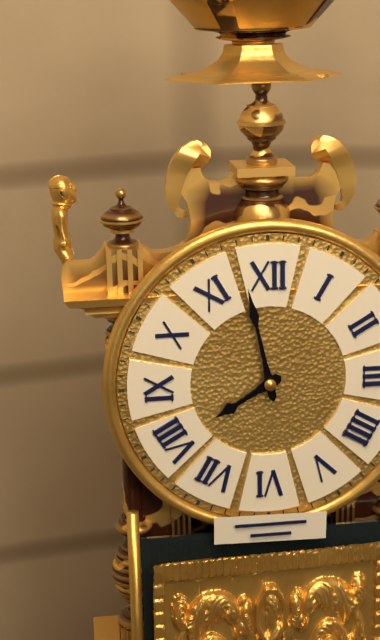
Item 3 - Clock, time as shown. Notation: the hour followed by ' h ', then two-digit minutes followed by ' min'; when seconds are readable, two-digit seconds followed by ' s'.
7 h 58 min
